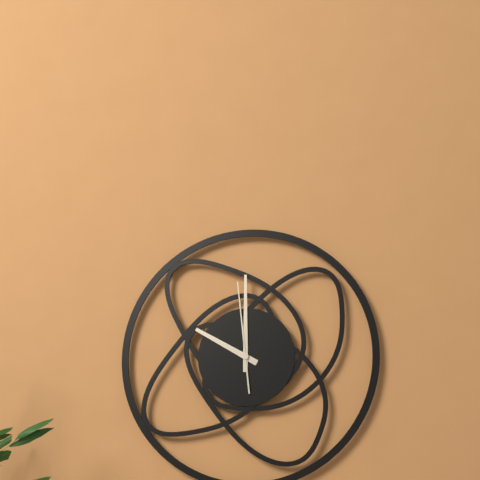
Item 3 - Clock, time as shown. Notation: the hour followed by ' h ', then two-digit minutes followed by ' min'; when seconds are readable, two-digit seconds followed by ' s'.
10 h 00 min 59 s
